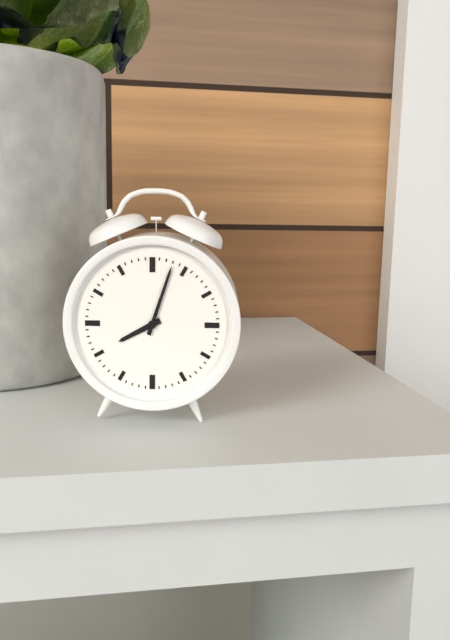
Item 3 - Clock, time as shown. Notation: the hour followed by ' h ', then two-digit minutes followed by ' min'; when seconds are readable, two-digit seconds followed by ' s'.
8 h 03 min
